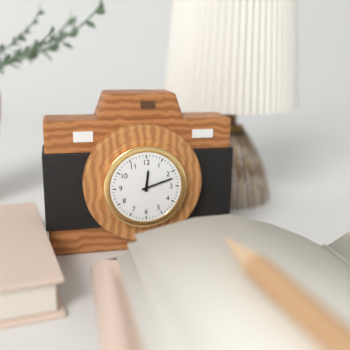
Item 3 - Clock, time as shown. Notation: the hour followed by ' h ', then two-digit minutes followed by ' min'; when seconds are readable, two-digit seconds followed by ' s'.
12 h 12 min
